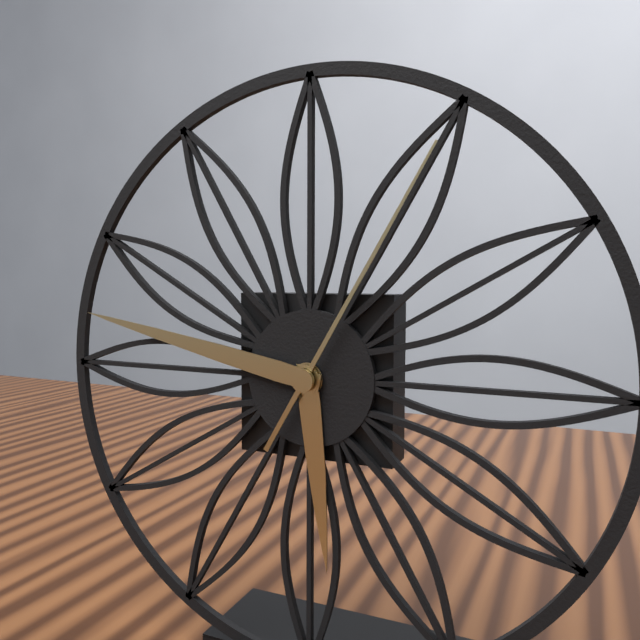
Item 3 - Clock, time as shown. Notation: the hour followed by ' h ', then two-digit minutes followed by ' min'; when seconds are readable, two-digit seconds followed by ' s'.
5 h 47 min 05 s
